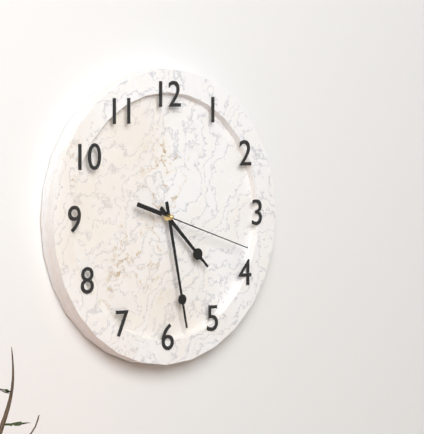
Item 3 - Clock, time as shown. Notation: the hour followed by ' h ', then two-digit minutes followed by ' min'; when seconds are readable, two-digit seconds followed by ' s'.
4 h 28 min 18 s
